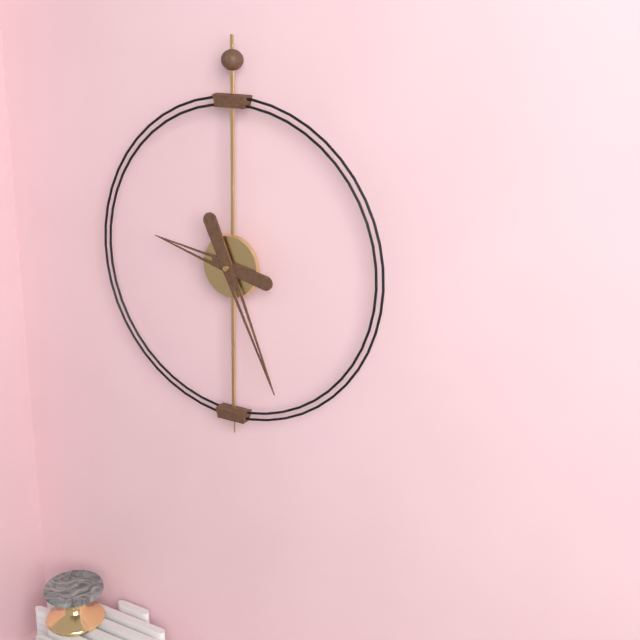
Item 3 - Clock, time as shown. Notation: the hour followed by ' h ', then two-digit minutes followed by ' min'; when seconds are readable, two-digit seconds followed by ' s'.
9 h 26 min
